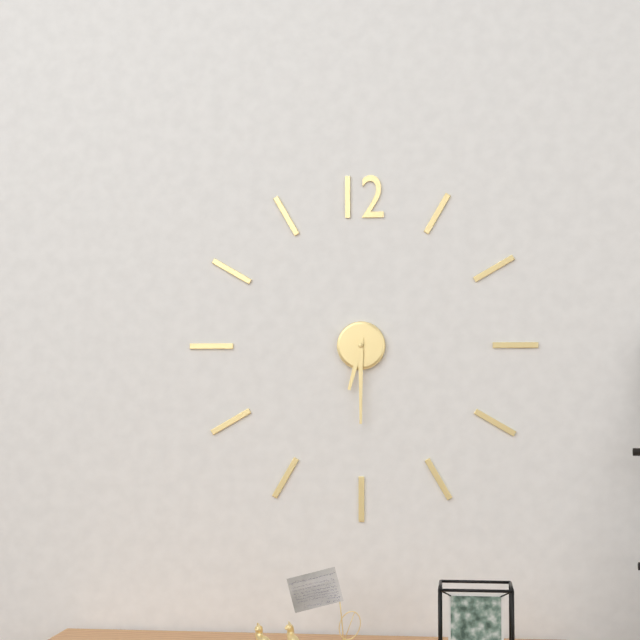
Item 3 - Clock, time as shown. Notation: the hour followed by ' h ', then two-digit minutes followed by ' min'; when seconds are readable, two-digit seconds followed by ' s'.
6 h 30 min
